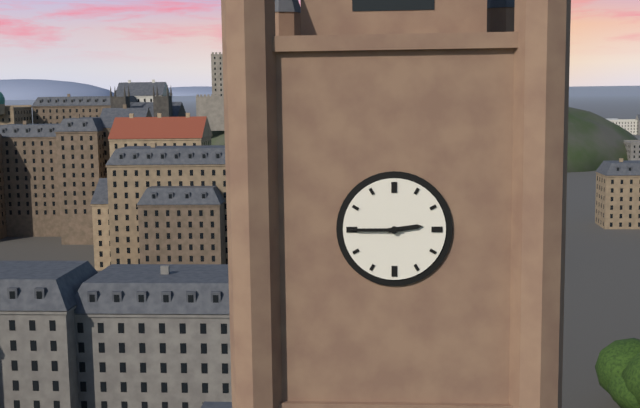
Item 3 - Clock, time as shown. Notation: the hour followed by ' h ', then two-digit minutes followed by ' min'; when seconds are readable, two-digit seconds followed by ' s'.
2 h 45 min
